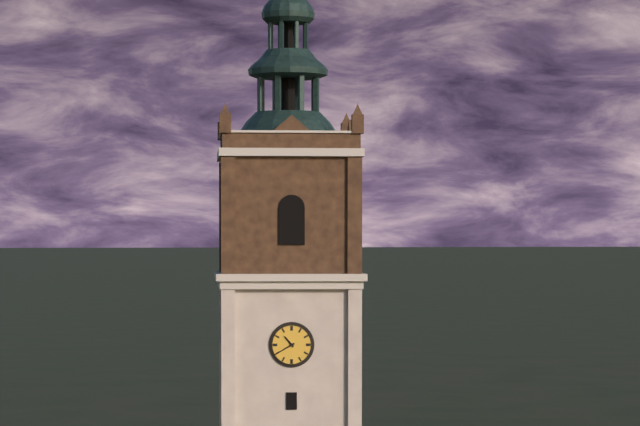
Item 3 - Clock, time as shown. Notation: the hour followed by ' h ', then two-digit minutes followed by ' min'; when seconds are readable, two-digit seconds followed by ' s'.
10 h 40 min
